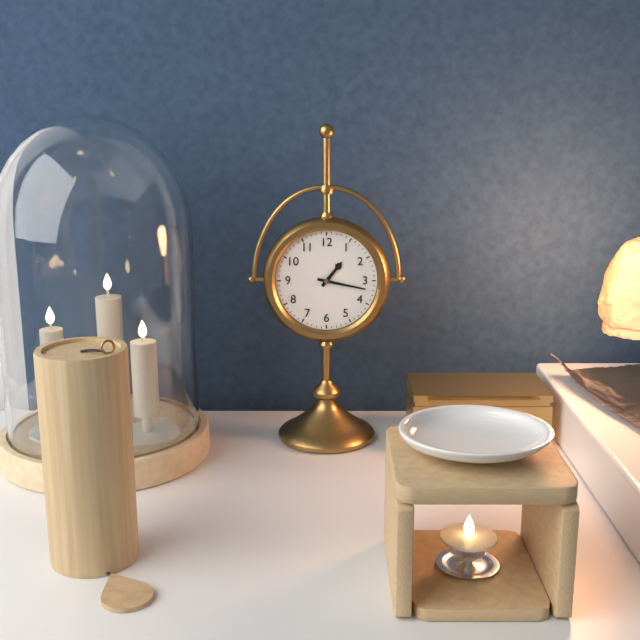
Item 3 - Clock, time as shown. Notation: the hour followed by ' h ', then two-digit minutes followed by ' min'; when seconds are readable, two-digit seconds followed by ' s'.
1 h 17 min
